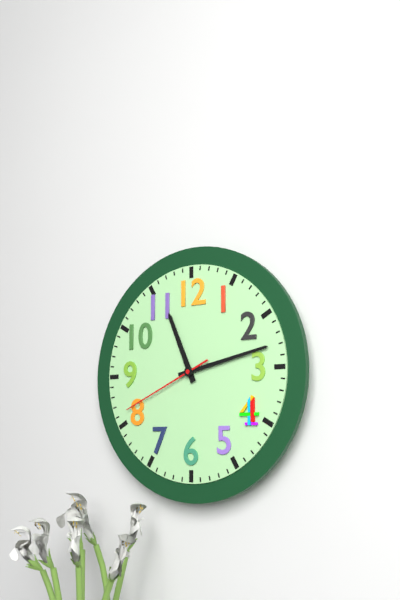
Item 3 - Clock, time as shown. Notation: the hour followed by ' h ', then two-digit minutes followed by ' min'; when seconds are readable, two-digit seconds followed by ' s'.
11 h 13 min 41 s
